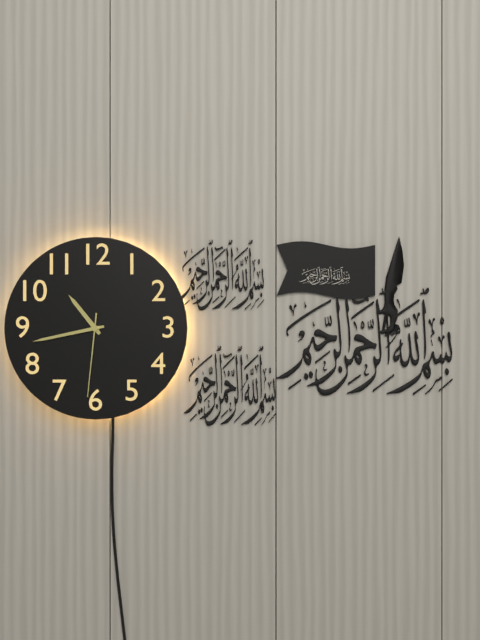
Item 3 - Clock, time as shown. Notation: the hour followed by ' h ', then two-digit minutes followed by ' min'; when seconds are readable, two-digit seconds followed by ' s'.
10 h 43 min 31 s
